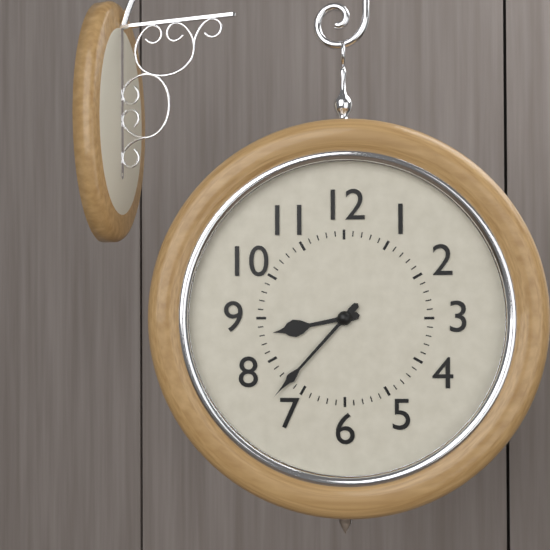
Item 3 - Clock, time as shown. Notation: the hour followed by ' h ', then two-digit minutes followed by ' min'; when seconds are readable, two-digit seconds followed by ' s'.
8 h 37 min
